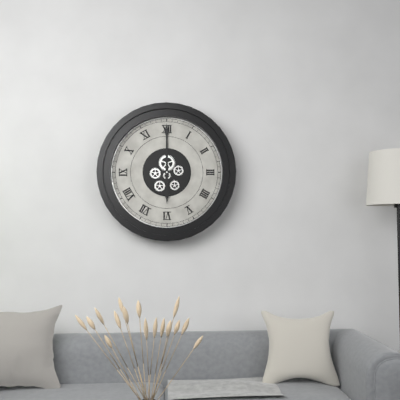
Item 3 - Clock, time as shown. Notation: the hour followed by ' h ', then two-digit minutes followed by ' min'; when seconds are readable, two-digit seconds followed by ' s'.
6 h 00 min
